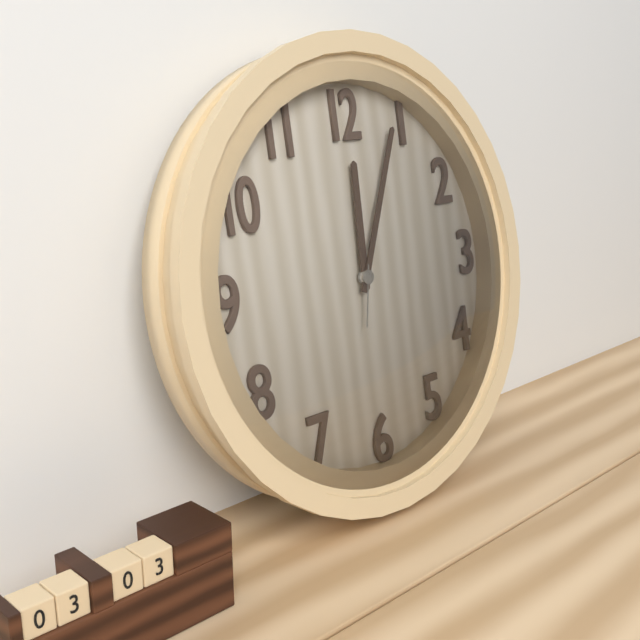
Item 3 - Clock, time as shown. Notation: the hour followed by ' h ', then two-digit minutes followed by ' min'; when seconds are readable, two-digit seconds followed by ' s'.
12 h 04 min 32 s
